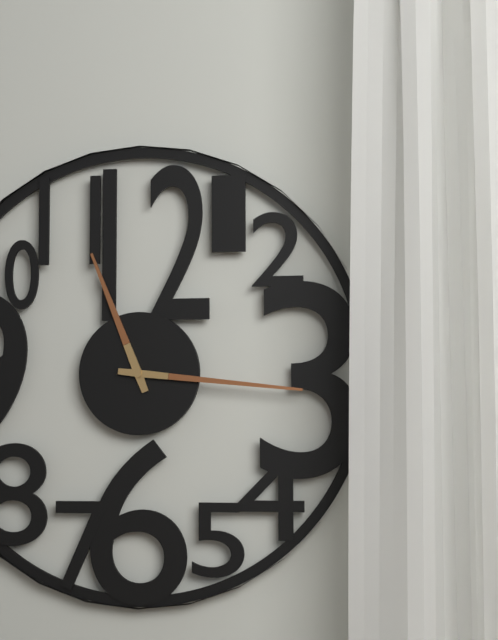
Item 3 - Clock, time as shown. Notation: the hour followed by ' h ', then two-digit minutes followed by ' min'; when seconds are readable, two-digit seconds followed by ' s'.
11 h 16 min
